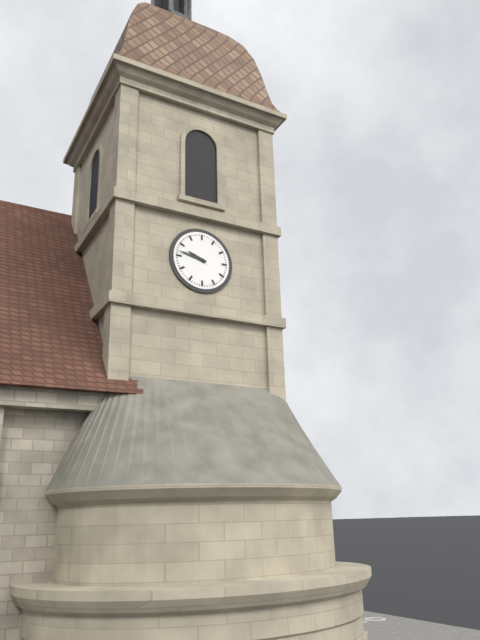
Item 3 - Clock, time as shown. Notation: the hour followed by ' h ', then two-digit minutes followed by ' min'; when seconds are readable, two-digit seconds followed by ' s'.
9 h 47 min
